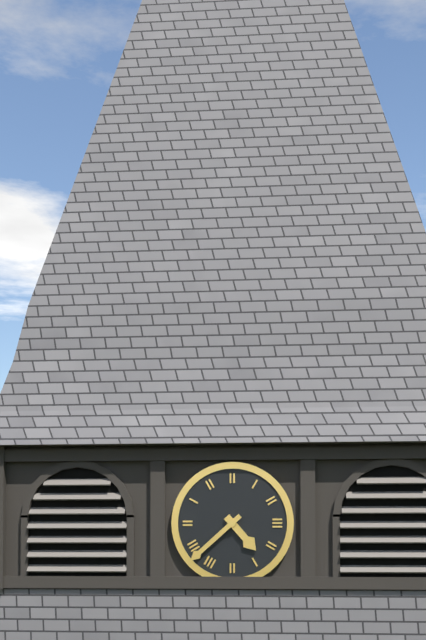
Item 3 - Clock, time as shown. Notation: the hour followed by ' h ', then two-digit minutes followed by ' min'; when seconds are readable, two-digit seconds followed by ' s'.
4 h 38 min
